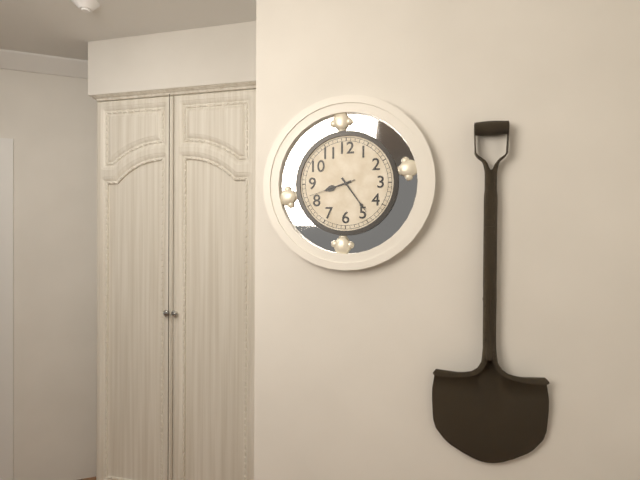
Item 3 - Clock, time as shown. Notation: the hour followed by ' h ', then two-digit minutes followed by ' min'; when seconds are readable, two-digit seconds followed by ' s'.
8 h 24 min 42 s
